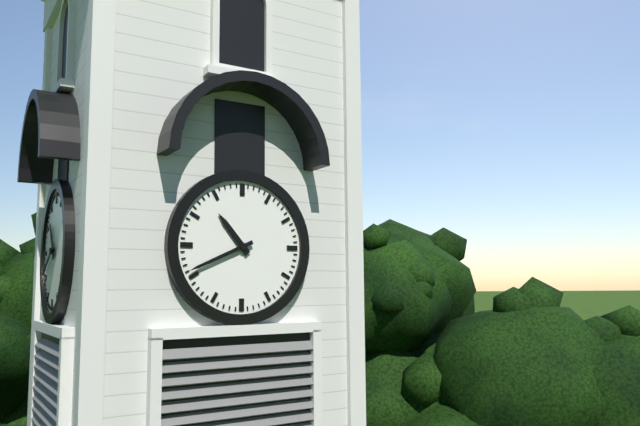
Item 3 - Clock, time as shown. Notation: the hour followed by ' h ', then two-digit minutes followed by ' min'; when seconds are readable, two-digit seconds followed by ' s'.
10 h 41 min
